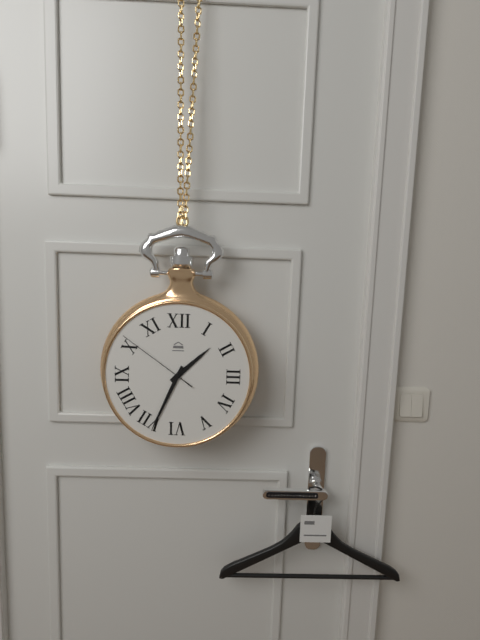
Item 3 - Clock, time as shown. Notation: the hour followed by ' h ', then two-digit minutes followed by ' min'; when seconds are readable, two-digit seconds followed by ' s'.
1 h 34 min 51 s
